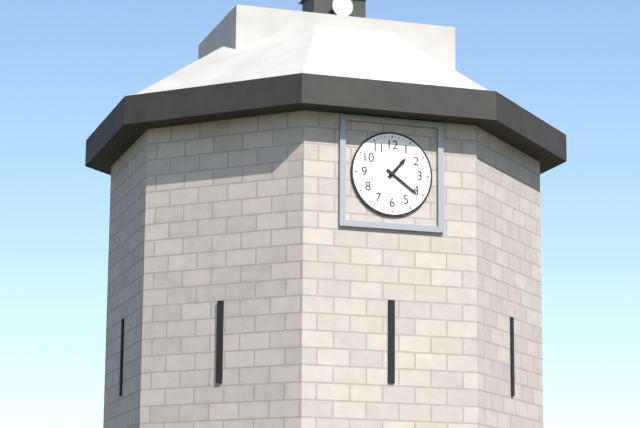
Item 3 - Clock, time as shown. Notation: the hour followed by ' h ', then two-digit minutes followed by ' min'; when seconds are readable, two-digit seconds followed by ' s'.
1 h 21 min
